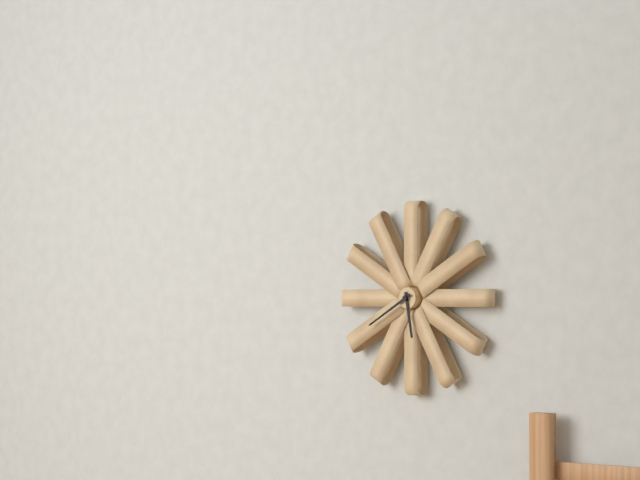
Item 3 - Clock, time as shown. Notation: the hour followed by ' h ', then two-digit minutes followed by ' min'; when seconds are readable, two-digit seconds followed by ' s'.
5 h 40 min
